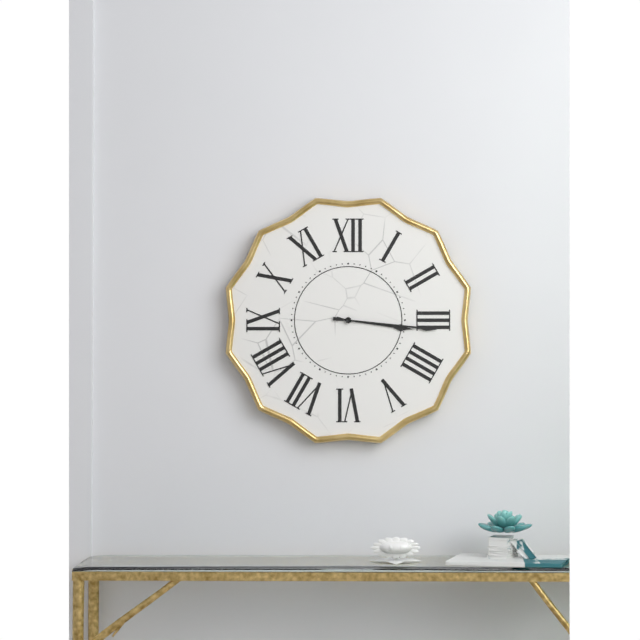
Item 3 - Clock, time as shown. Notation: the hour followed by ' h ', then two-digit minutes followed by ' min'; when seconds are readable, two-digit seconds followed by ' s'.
3 h 16 min
